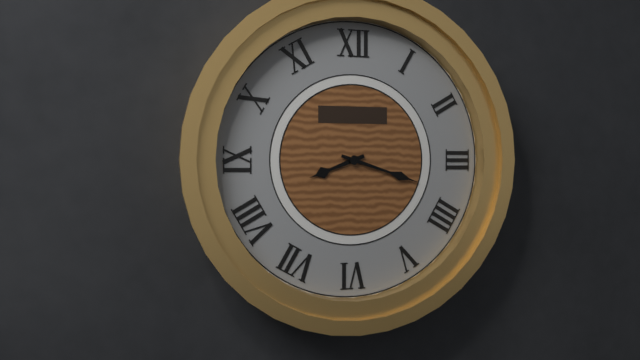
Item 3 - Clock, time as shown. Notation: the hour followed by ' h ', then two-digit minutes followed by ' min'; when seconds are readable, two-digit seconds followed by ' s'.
8 h 18 min
